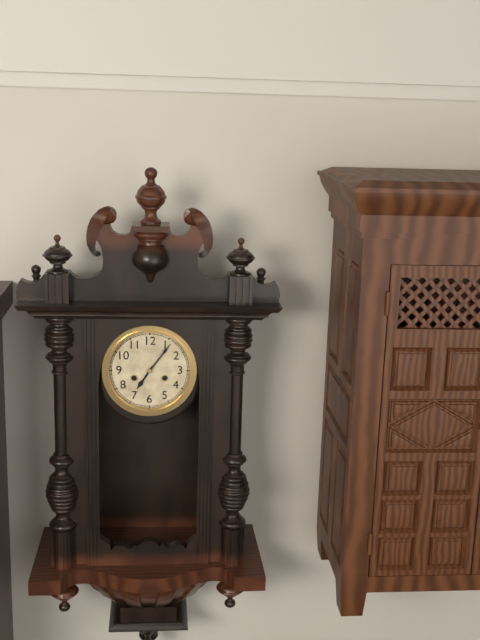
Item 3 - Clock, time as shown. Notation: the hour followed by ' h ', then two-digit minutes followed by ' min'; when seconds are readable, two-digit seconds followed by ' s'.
7 h 06 min
